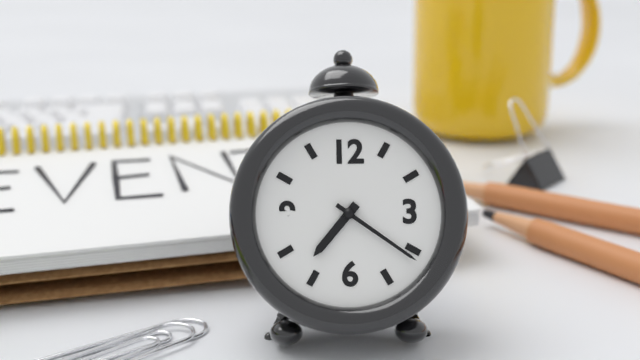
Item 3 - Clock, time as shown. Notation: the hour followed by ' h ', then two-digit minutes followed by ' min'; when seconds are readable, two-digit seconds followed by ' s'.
7 h 21 min
